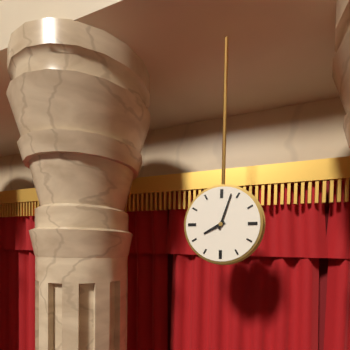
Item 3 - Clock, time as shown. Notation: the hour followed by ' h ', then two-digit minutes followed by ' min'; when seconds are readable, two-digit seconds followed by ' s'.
8 h 03 min
